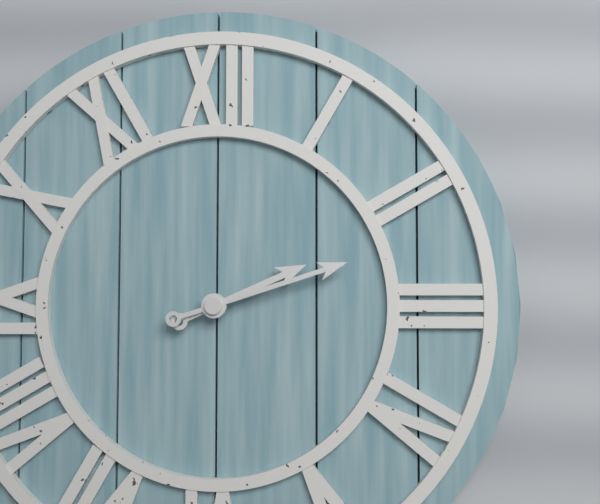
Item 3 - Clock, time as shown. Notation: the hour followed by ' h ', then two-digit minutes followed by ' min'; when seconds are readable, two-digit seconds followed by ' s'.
2 h 12 min
